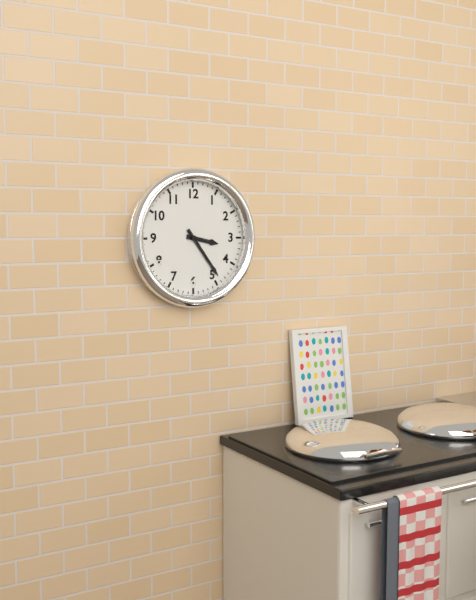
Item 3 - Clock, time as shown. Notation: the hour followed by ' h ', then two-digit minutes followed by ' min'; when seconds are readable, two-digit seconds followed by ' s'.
3 h 24 min
